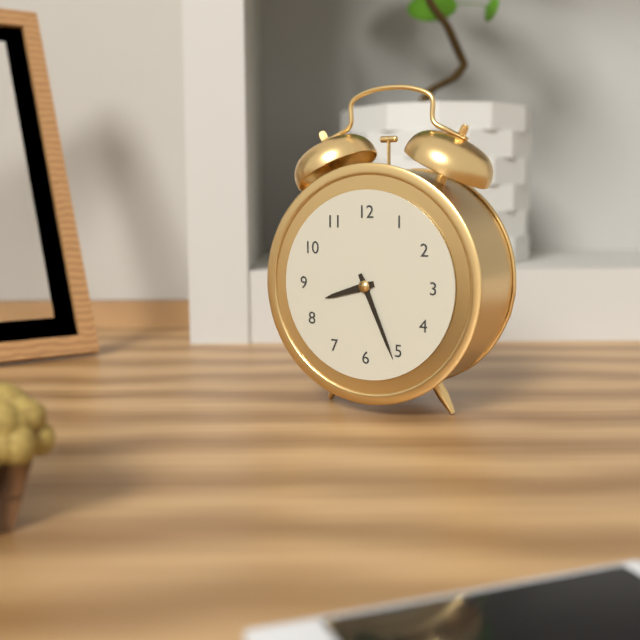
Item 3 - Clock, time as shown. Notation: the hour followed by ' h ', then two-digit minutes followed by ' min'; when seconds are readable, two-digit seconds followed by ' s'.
8 h 26 min
